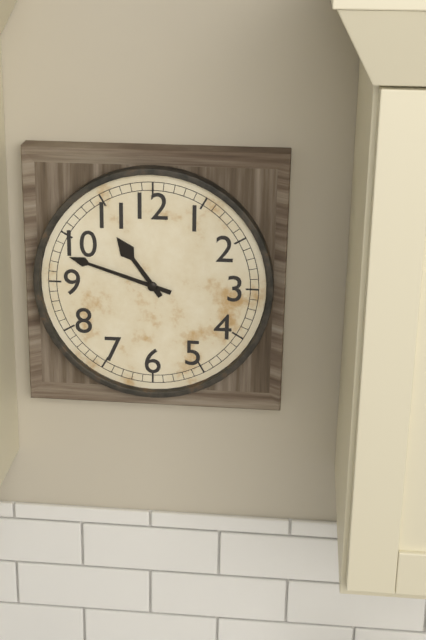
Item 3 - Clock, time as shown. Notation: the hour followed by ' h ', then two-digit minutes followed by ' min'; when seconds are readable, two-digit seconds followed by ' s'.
10 h 48 min
